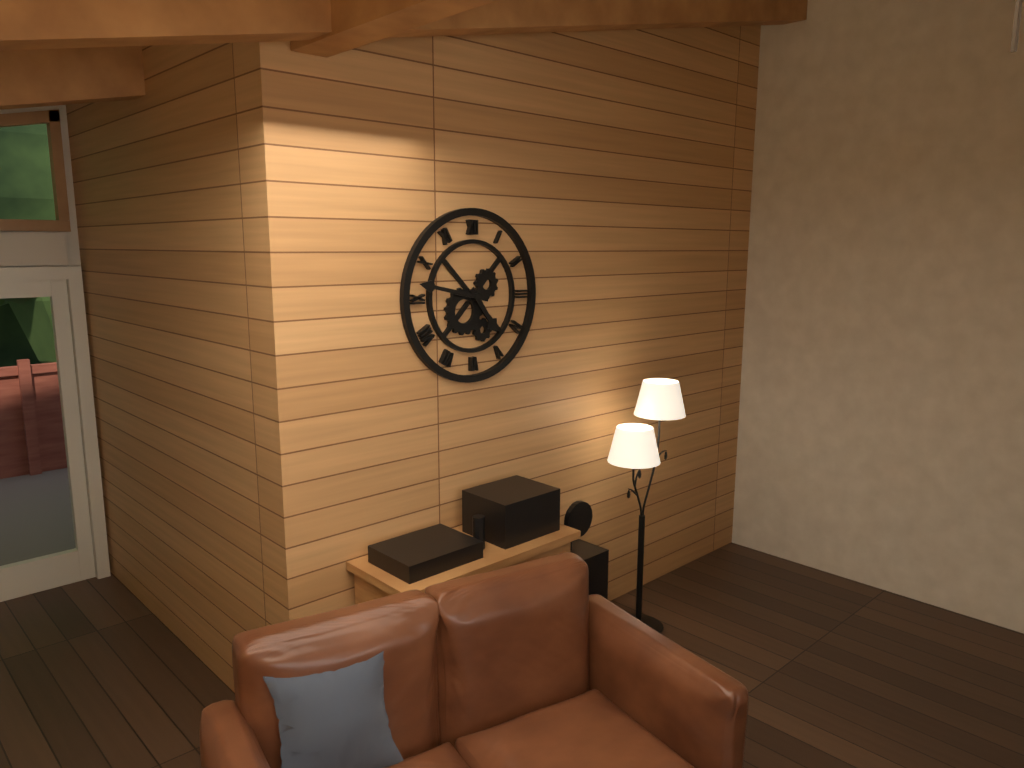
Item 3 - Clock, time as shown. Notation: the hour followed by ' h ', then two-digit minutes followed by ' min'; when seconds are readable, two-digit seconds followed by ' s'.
4 h 47 min
